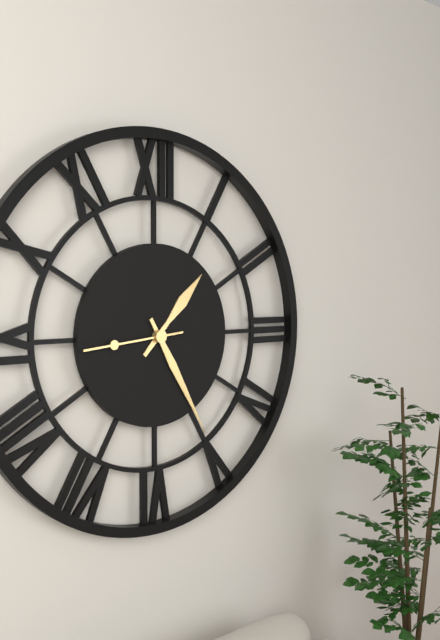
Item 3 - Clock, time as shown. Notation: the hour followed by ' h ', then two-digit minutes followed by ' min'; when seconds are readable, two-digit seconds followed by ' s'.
1 h 25 min 44 s
